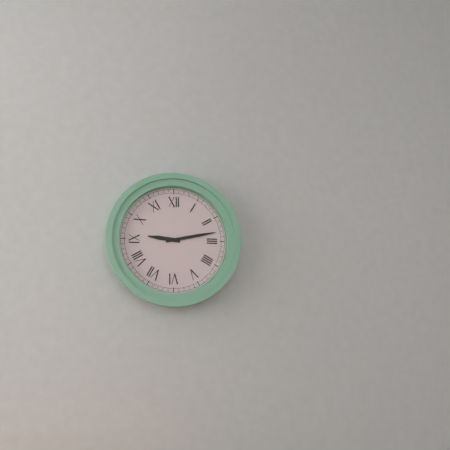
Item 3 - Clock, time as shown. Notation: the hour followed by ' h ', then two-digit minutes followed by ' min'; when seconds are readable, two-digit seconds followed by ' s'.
9 h 13 min
